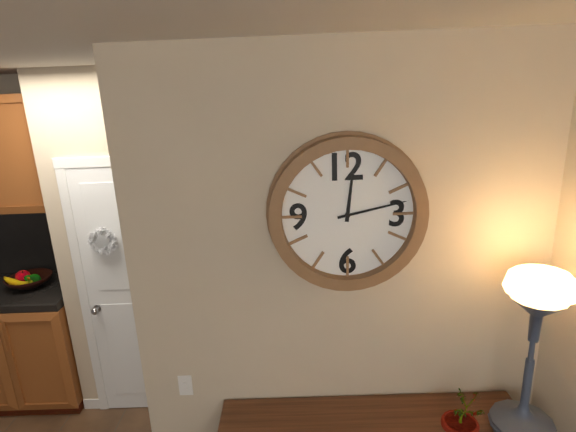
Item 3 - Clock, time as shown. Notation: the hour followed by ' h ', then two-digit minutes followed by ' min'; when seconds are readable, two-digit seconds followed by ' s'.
12 h 13 min
